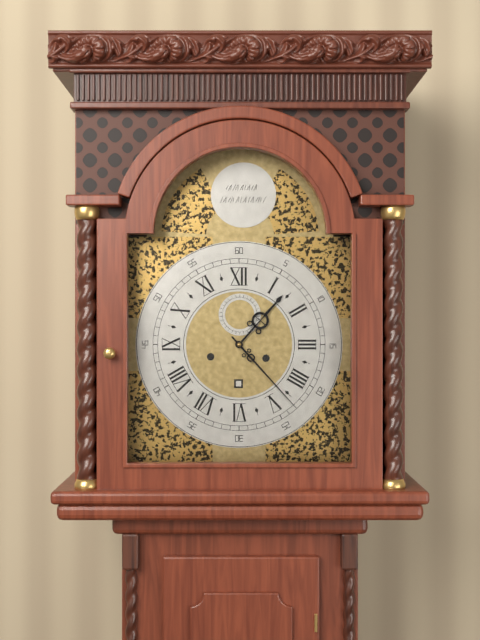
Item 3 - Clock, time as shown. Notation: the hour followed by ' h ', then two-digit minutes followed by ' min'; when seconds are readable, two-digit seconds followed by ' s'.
1 h 23 min
